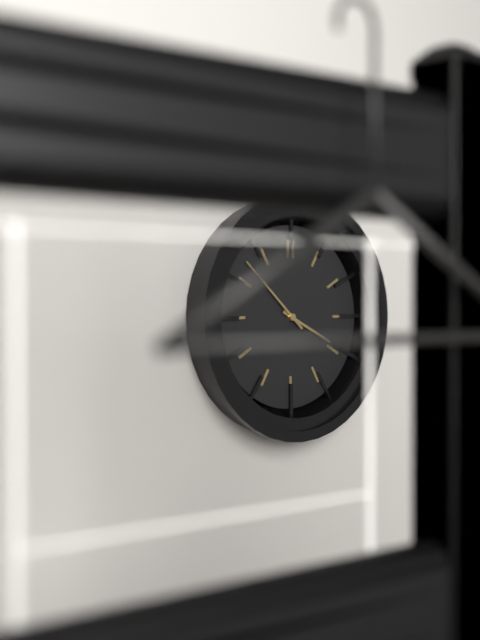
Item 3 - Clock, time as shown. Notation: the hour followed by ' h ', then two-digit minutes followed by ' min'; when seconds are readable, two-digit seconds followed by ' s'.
3 h 52 min
